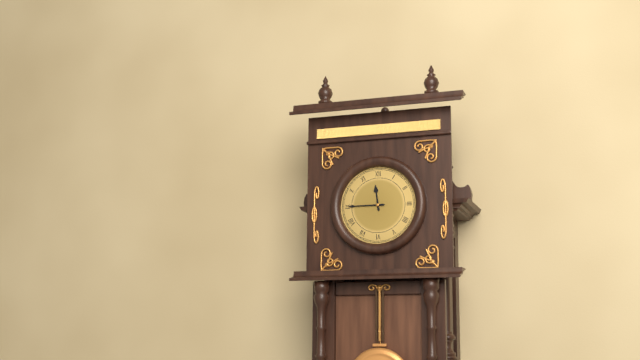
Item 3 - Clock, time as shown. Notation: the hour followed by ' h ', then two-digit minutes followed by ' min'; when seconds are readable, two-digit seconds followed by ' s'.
11 h 45 min
